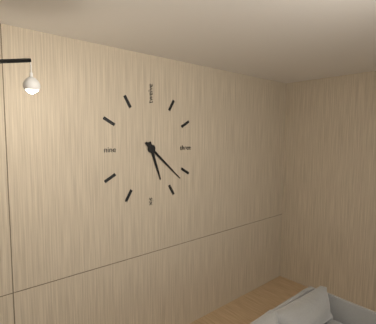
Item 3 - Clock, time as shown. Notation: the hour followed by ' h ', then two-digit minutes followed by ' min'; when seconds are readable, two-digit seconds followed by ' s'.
5 h 22 min
